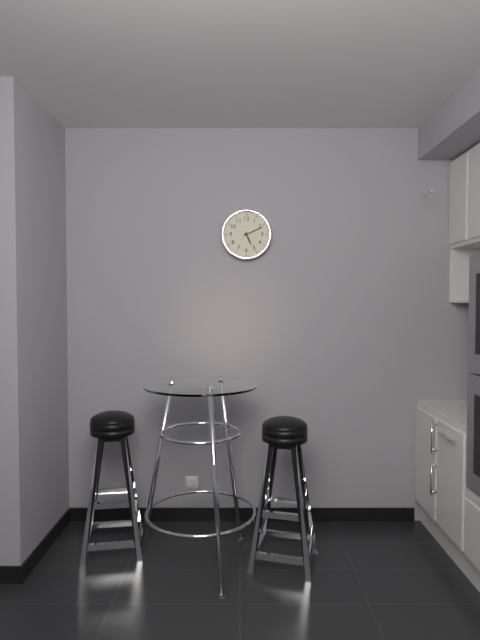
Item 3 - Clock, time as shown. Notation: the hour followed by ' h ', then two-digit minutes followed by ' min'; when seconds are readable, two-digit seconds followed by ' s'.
5 h 11 min
